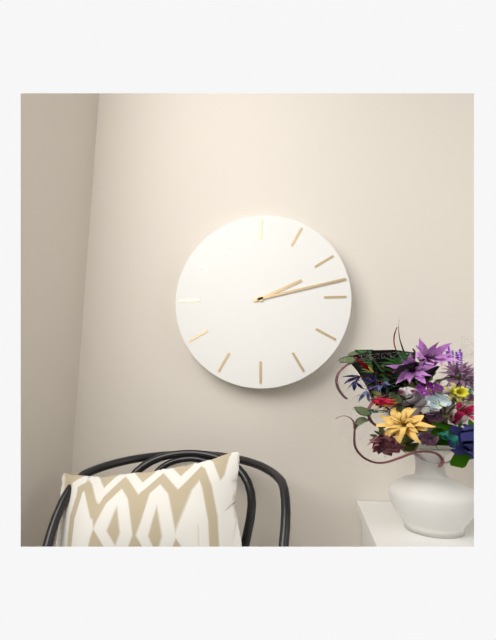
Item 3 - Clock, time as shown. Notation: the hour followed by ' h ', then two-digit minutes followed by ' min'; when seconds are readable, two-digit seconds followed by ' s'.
2 h 13 min
